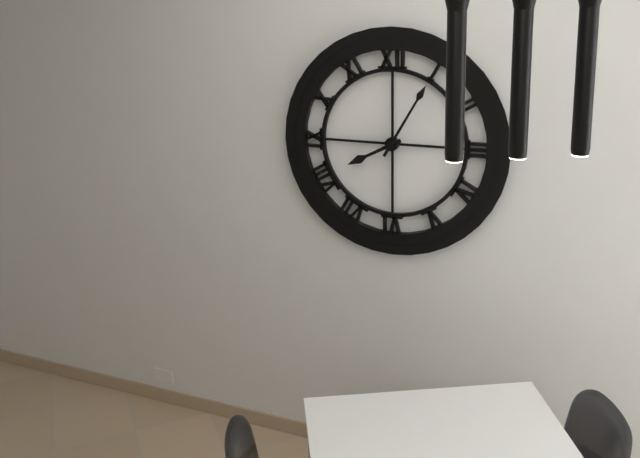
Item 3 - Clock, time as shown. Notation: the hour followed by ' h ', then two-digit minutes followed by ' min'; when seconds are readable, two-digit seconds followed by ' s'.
8 h 05 min
